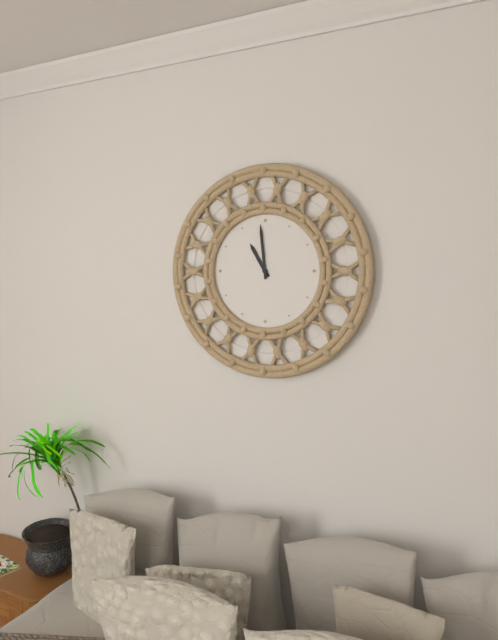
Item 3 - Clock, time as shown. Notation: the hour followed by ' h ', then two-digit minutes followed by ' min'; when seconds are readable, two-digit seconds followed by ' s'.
10 h 59 min
